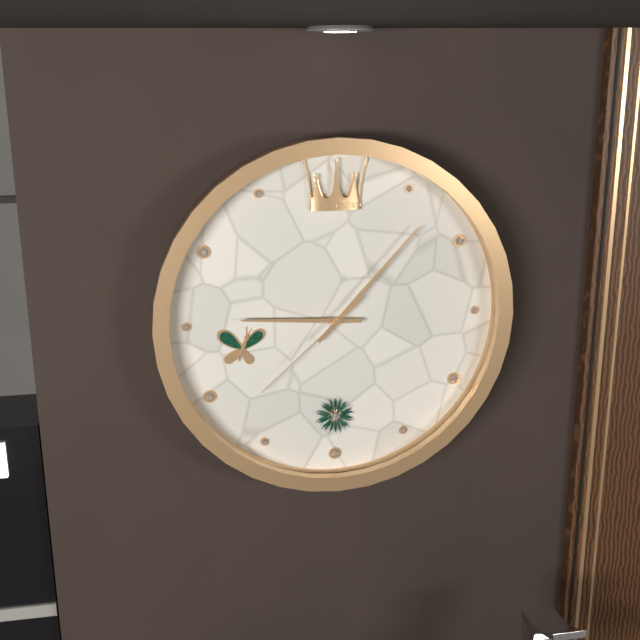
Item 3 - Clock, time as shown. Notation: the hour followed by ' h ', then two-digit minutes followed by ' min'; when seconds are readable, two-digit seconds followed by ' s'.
9 h 07 min 38 s
